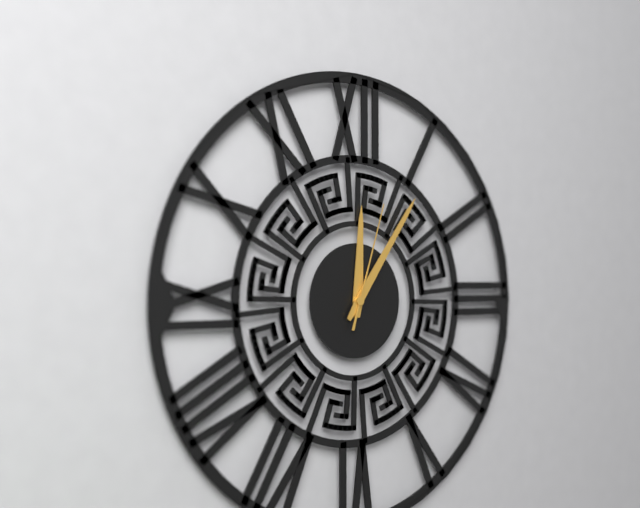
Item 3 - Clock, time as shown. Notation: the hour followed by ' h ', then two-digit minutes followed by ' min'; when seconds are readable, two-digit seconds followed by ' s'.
12 h 06 min 03 s
